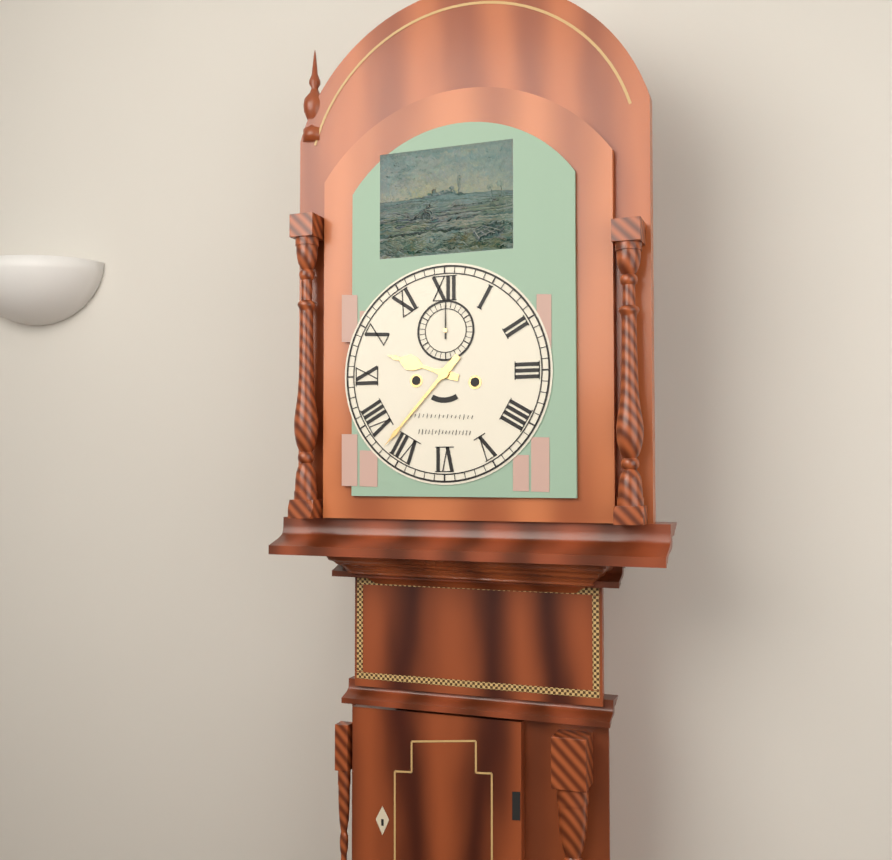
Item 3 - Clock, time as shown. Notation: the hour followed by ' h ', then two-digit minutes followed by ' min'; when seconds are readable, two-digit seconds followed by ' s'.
9 h 37 min
